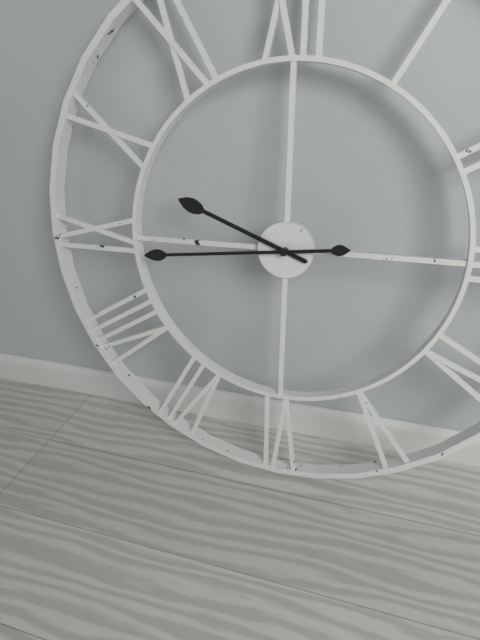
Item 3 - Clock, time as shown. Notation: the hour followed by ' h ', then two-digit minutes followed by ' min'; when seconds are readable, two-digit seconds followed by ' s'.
9 h 44 min
